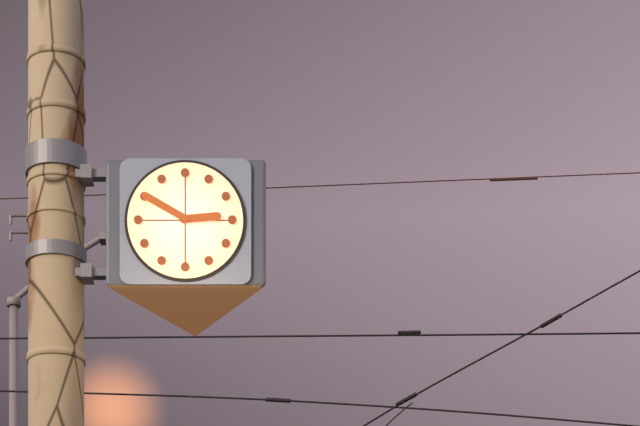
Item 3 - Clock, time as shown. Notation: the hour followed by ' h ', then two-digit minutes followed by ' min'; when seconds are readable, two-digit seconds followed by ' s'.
2 h 50 min
